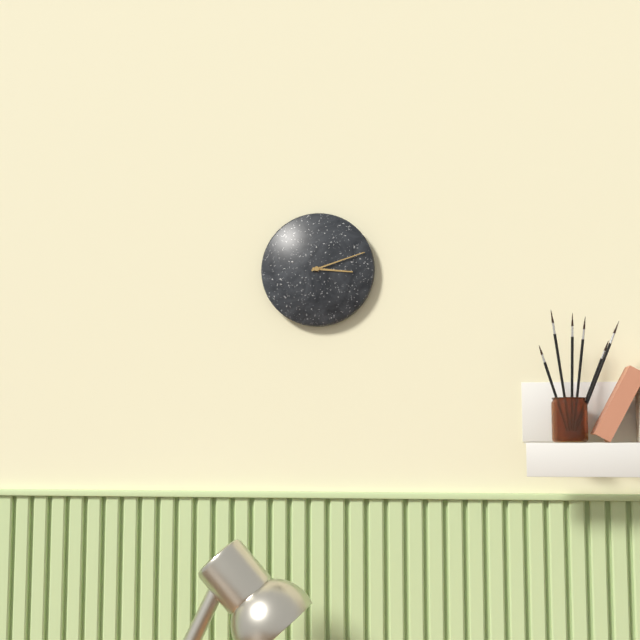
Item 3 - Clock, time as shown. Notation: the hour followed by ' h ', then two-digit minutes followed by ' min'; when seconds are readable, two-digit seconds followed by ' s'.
3 h 12 min
